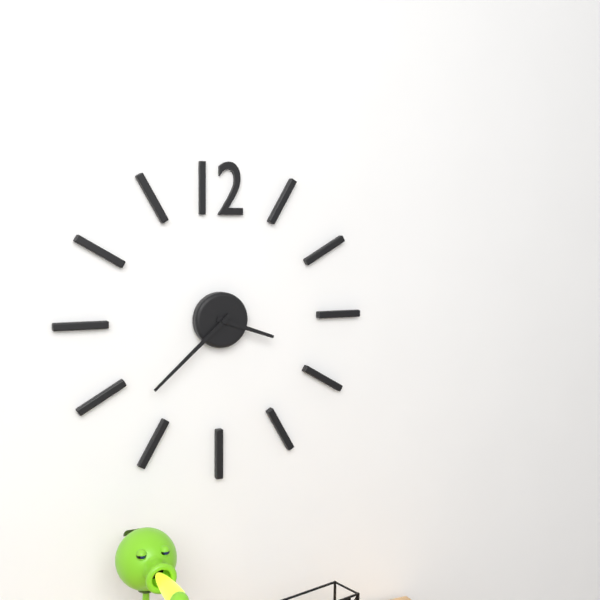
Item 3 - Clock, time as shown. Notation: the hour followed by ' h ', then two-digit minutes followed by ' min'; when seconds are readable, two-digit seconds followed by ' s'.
3 h 38 min
